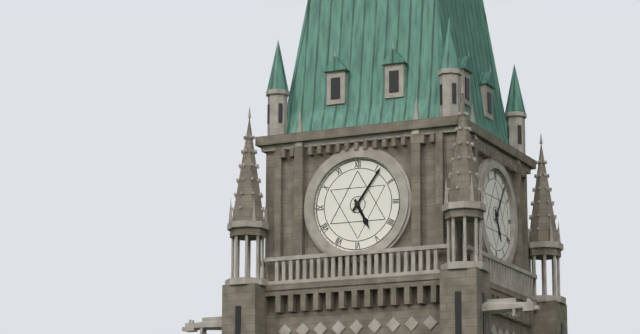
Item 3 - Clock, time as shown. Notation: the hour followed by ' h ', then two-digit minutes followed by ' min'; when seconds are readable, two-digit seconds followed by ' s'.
5 h 06 min
